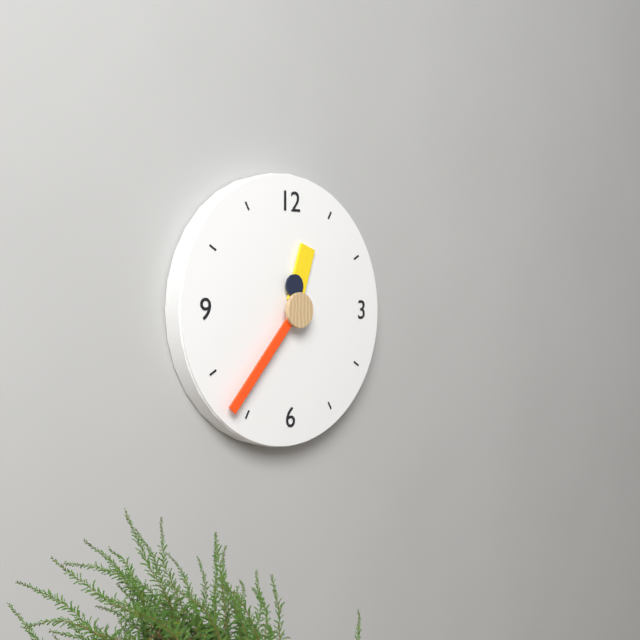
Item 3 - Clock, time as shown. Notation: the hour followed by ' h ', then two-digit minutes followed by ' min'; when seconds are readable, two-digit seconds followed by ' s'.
12 h 37 min
